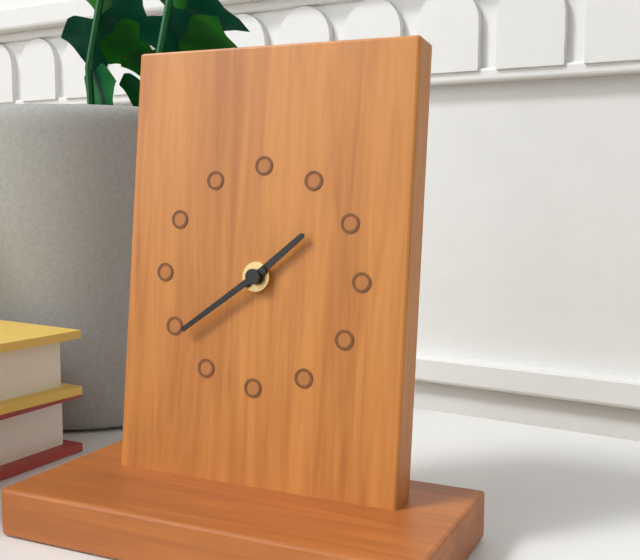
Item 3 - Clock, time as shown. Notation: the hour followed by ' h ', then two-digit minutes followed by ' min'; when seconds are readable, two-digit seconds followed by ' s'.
1 h 39 min
